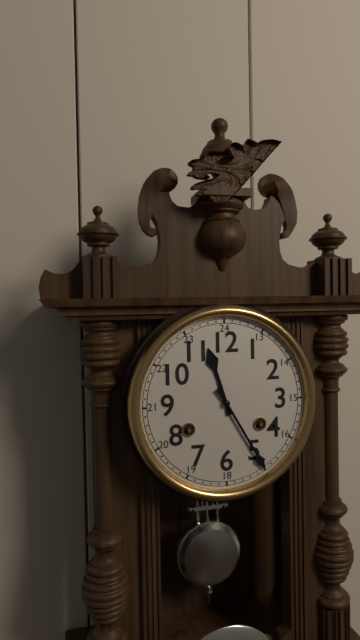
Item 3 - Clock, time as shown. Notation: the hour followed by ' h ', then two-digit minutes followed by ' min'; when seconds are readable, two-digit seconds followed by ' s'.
11 h 25 min
